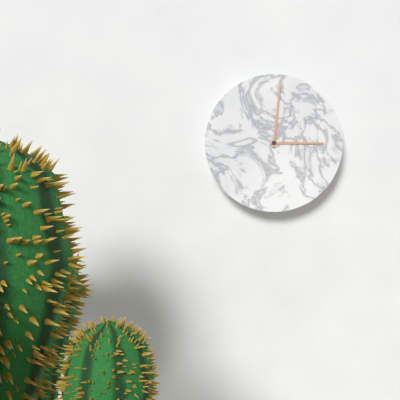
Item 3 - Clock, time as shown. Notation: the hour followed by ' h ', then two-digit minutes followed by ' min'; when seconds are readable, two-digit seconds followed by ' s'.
3 h 01 min
